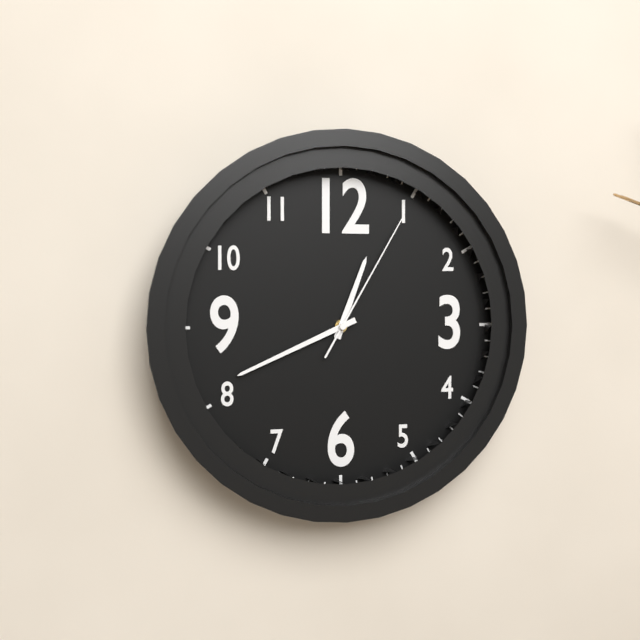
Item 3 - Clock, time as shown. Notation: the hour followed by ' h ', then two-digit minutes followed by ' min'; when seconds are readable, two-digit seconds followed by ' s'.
12 h 41 min 05 s
